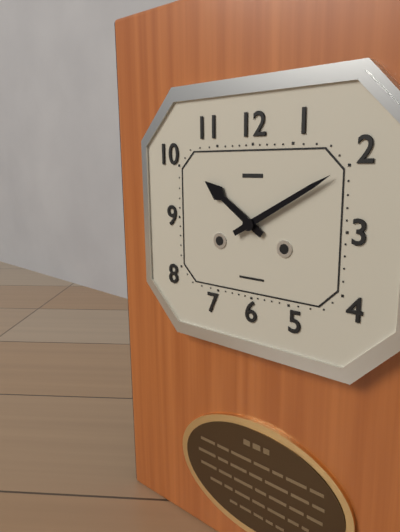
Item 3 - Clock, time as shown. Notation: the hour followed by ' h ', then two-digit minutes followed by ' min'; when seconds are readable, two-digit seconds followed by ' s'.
10 h 10 min
